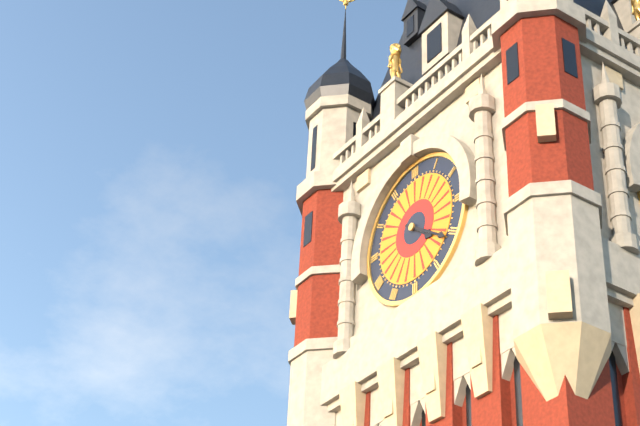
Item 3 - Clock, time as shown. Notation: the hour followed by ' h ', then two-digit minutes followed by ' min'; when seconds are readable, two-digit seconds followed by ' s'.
4 h 21 min
